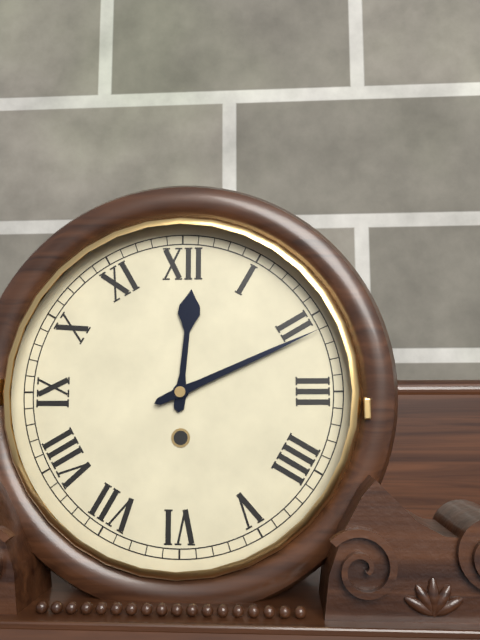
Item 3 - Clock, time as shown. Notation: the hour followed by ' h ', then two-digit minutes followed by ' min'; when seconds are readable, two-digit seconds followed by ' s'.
12 h 11 min
